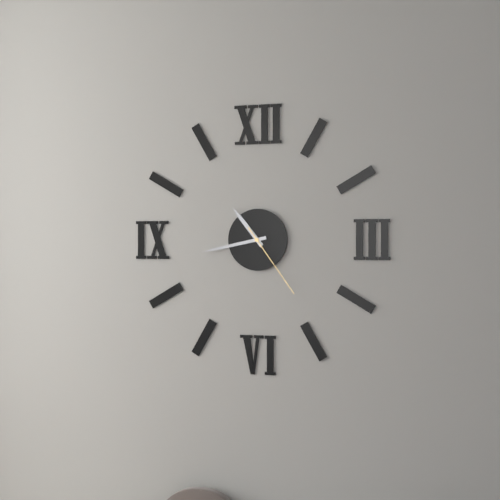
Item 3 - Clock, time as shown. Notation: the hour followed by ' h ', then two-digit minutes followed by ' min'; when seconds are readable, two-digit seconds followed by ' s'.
10 h 43 min 24 s
